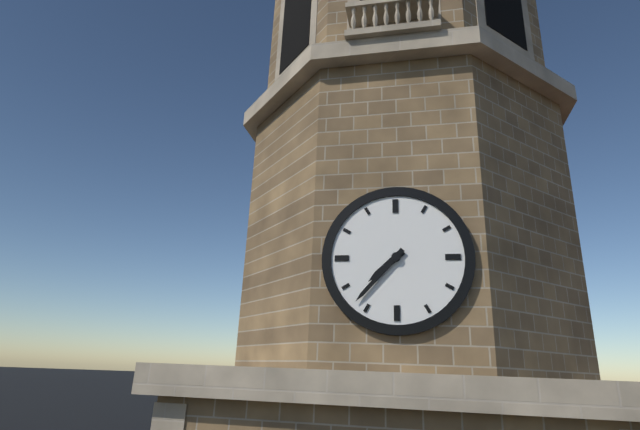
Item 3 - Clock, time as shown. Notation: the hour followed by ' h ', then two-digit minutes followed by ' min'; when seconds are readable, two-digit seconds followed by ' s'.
7 h 37 min
